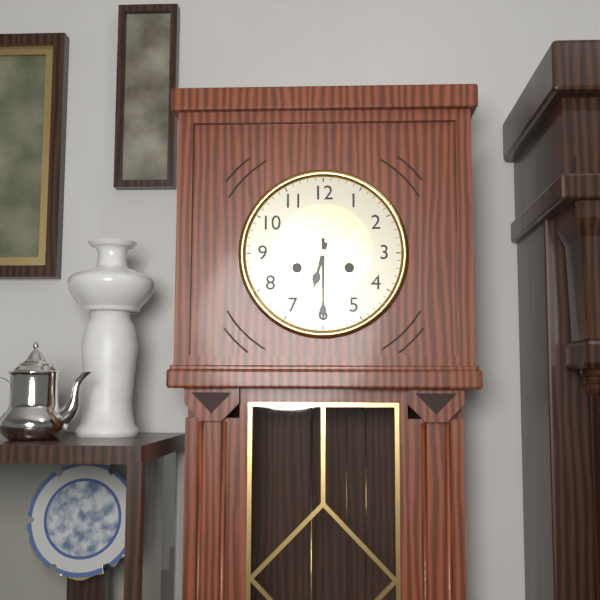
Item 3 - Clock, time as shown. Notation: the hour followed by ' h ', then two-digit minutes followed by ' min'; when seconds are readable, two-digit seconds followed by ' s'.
6 h 30 min
